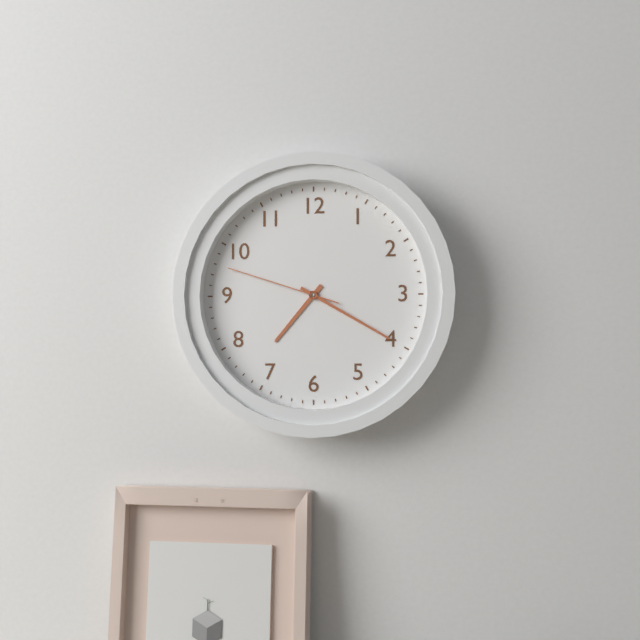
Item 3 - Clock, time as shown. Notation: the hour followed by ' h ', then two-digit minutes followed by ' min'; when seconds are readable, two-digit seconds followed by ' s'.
7 h 20 min 48 s
